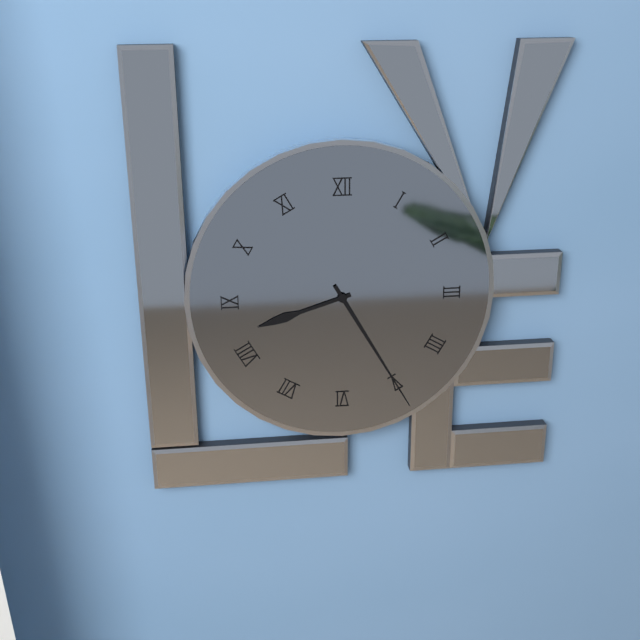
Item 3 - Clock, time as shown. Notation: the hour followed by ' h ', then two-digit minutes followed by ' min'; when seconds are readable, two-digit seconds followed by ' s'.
8 h 25 min
